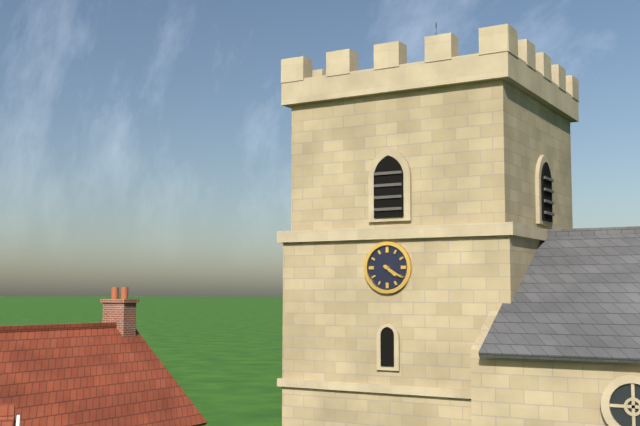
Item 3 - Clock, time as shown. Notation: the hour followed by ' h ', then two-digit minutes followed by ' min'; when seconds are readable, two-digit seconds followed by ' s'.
4 h 20 min
